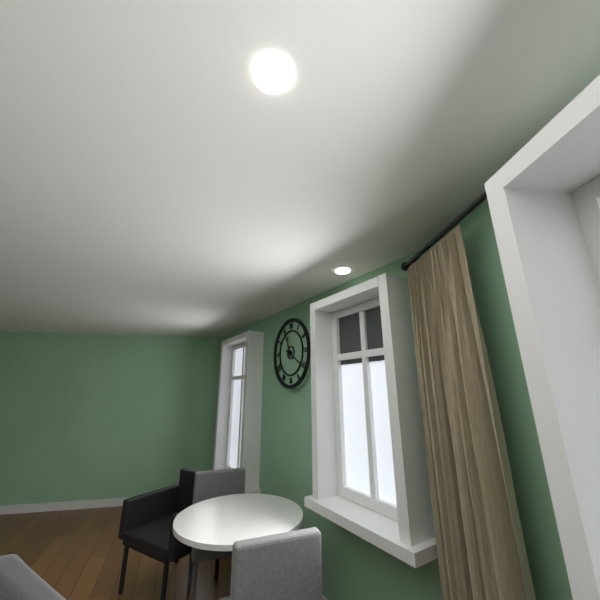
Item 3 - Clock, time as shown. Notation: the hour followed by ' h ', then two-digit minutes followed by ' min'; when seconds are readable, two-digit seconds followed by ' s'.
11 h 20 min
